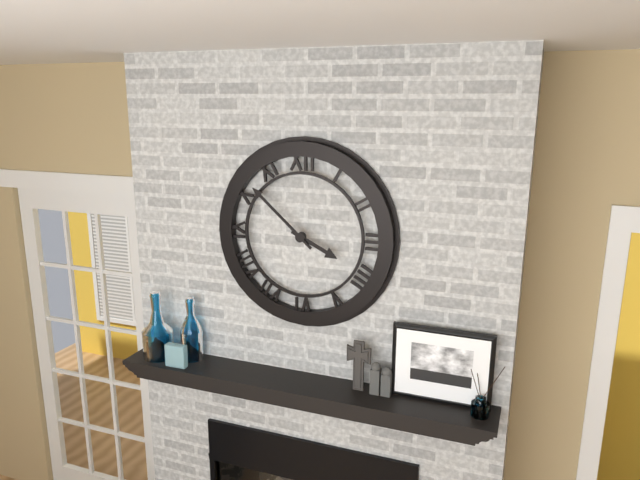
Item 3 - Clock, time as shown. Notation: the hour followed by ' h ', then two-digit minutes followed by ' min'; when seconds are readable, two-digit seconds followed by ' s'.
3 h 52 min
